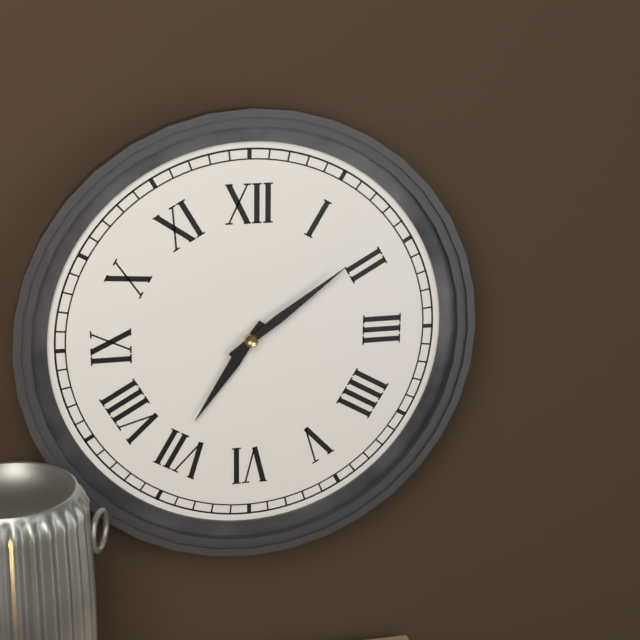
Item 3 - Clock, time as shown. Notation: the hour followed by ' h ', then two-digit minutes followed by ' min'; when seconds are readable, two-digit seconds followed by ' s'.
7 h 09 min
